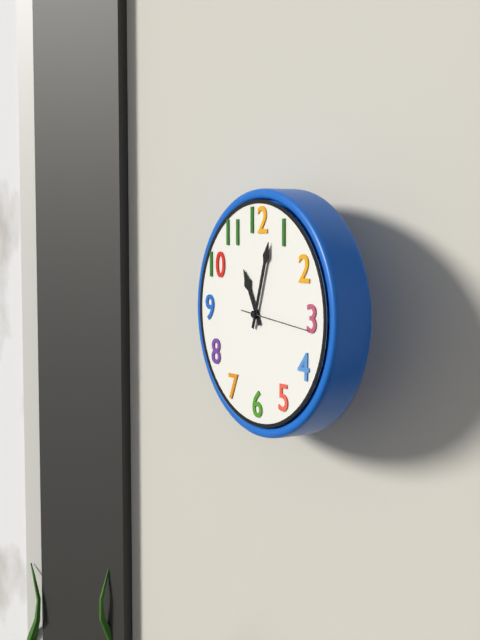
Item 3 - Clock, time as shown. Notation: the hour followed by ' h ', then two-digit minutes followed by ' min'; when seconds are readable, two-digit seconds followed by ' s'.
11 h 03 min 16 s
